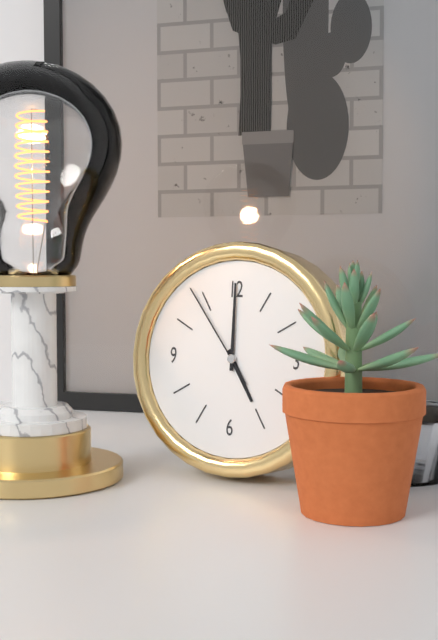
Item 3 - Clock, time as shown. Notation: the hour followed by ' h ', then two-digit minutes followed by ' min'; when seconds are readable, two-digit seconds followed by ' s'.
5 h 00 min 54 s
